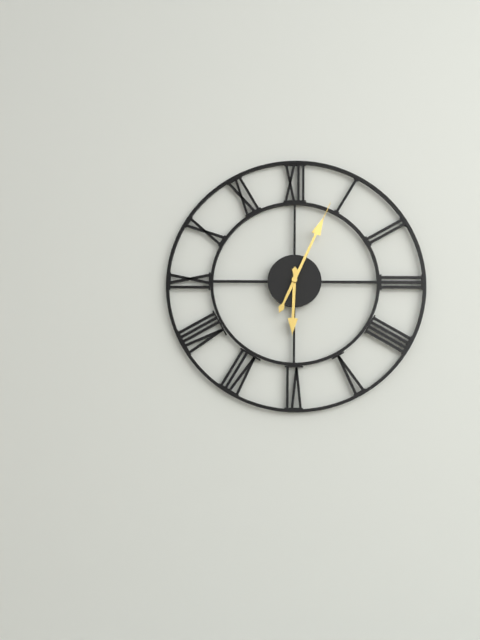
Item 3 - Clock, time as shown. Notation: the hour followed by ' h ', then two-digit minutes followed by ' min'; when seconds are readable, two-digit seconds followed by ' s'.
6 h 04 min
